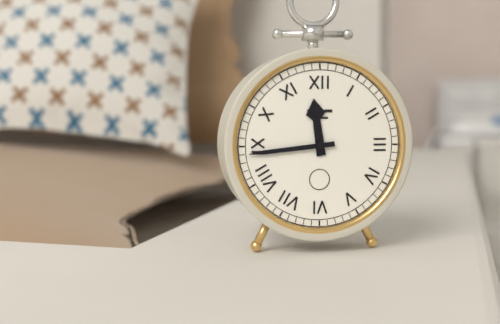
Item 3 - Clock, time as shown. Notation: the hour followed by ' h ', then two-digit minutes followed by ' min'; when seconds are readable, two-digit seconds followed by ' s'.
11 h 44 min
